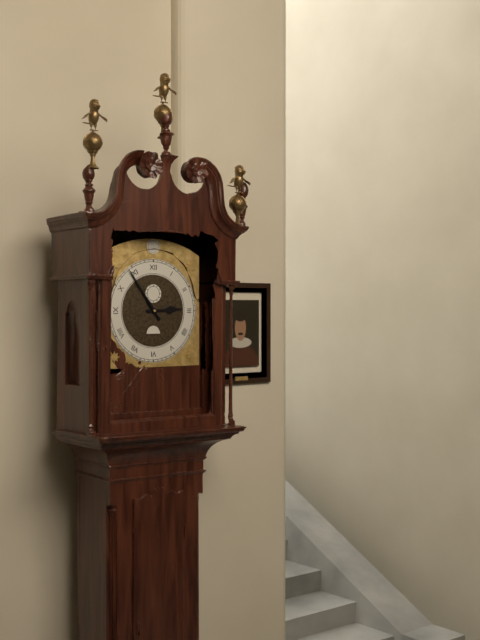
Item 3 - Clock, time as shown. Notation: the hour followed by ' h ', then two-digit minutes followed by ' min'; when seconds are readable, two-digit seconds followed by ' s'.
2 h 54 min
